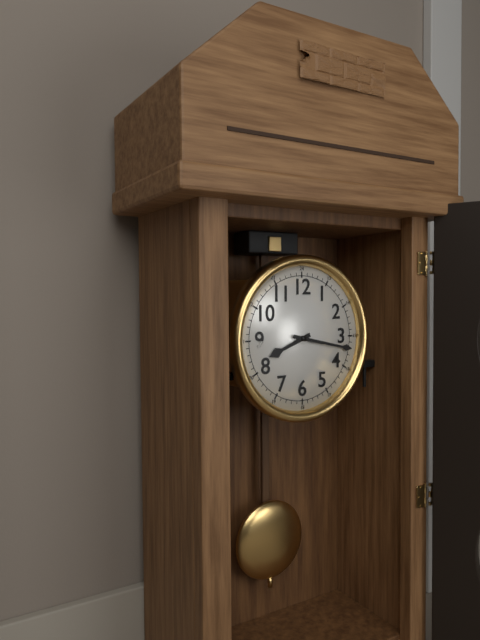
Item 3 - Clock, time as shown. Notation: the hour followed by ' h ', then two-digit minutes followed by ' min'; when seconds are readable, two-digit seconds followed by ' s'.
8 h 17 min
